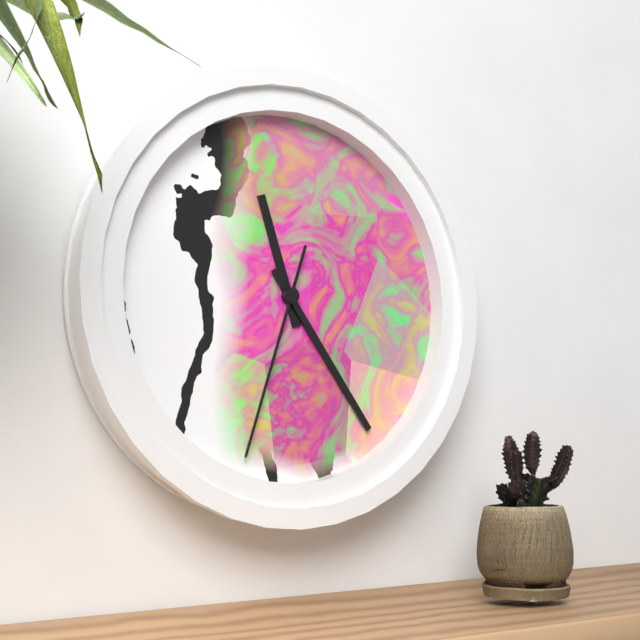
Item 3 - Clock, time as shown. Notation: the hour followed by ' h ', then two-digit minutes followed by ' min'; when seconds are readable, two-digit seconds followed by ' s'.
11 h 24 min 33 s
